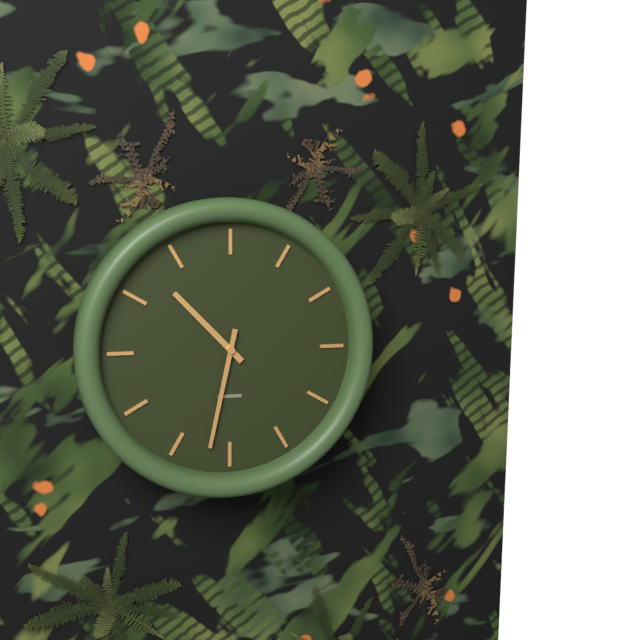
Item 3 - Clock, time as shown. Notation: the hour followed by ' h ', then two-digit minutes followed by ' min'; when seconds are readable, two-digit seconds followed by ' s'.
10 h 32 min
